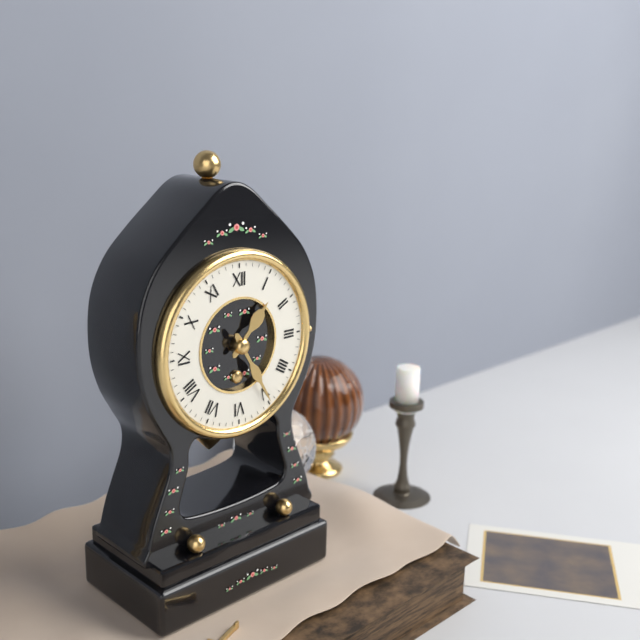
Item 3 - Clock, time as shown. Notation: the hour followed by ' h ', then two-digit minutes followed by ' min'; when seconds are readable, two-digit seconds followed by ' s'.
1 h 25 min
